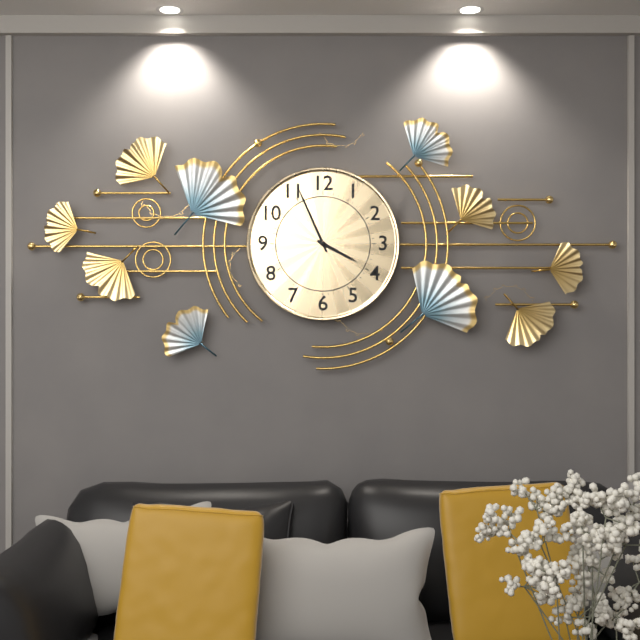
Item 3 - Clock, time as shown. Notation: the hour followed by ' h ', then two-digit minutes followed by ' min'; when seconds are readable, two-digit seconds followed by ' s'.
3 h 56 min
